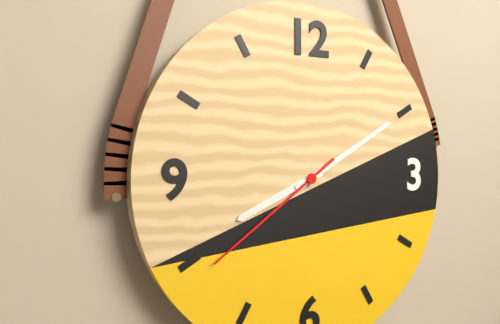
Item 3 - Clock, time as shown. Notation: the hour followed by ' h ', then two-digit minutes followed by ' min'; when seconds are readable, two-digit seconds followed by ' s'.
8 h 10 min 39 s
